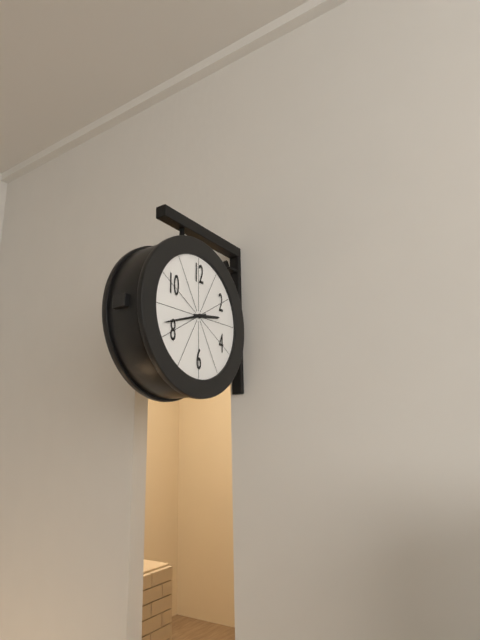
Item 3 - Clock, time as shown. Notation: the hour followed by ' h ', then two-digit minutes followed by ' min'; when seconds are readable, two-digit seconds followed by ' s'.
2 h 42 min
